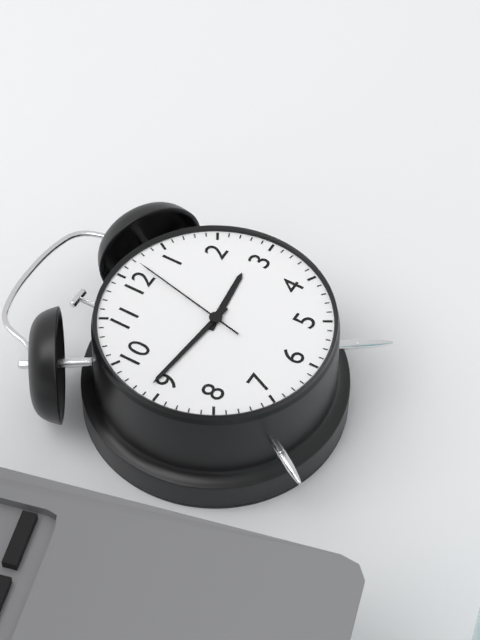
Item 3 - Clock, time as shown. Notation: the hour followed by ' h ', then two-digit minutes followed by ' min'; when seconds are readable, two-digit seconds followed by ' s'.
2 h 46 min 02 s
